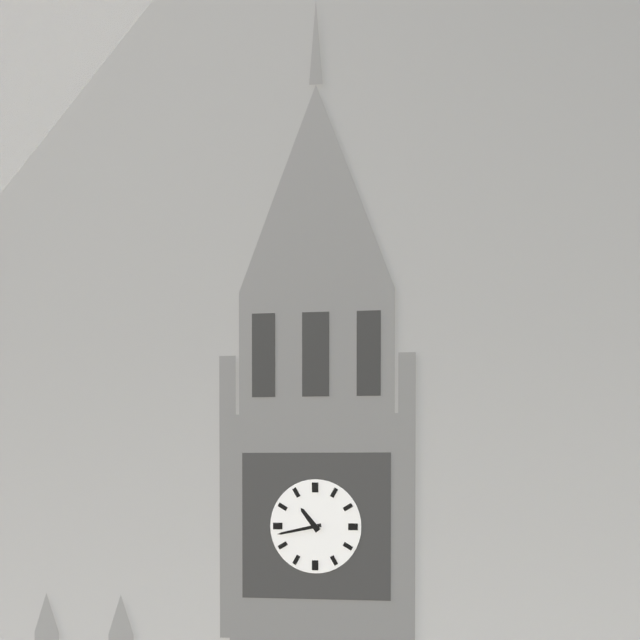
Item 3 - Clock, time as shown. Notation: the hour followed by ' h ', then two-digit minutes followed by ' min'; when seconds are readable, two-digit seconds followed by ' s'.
10 h 43 min
